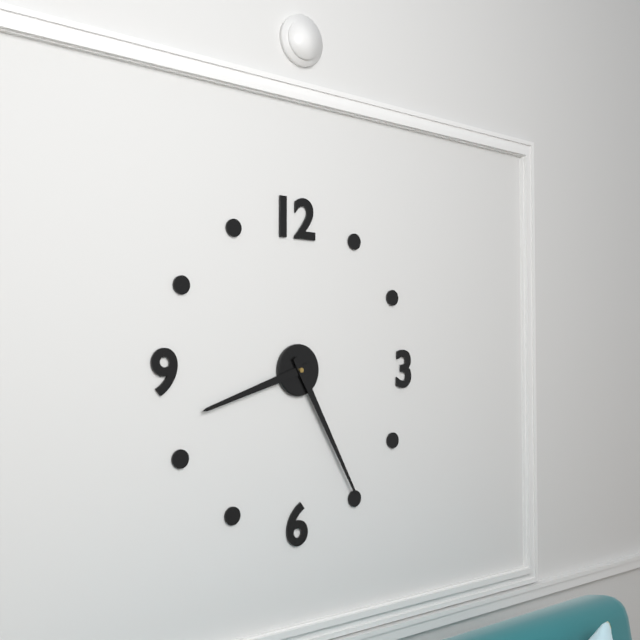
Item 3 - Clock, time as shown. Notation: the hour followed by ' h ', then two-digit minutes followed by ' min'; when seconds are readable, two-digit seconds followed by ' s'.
8 h 25 min
